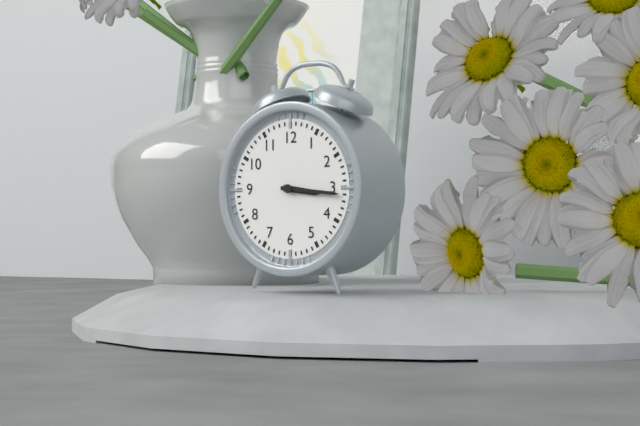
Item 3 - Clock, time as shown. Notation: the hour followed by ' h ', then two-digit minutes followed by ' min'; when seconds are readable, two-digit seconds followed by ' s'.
3 h 16 min
